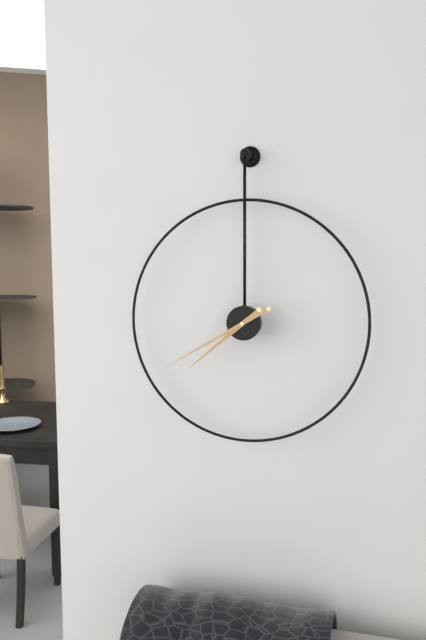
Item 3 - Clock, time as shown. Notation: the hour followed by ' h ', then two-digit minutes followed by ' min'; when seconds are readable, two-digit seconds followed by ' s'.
7 h 40 min
